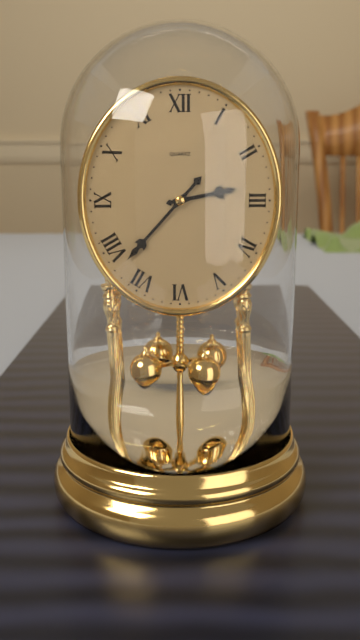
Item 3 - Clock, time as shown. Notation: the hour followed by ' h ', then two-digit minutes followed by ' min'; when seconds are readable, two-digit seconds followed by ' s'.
2 h 37 min
